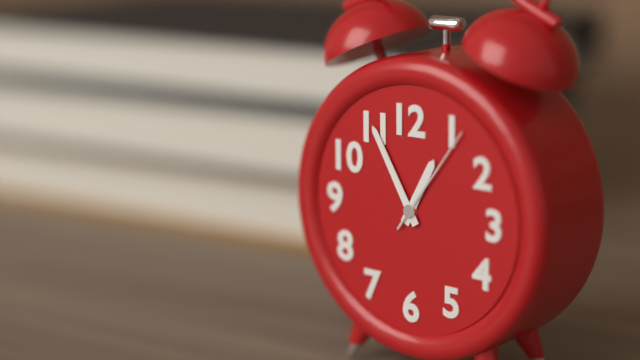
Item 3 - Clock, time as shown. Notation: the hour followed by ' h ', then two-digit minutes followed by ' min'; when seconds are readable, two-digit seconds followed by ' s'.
12 h 55 min 06 s
